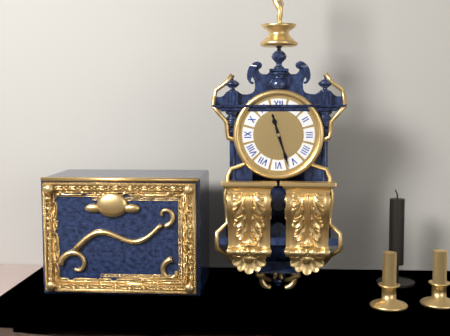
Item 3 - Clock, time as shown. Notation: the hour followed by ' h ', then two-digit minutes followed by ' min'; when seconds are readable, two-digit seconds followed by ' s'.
11 h 27 min
